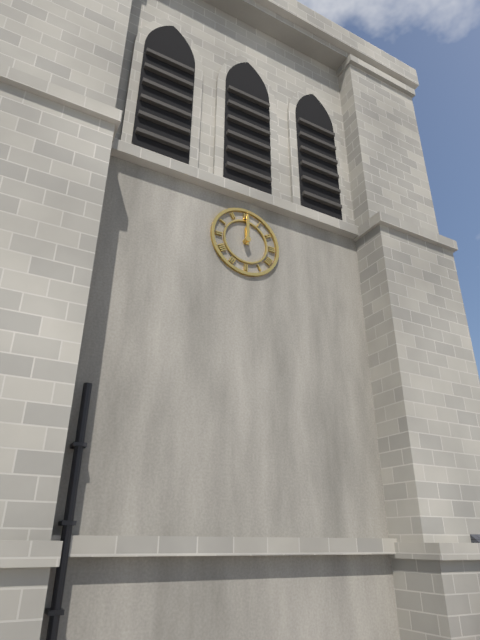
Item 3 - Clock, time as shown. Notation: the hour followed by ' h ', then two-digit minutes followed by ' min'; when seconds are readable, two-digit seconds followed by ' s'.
12 h 00 min
